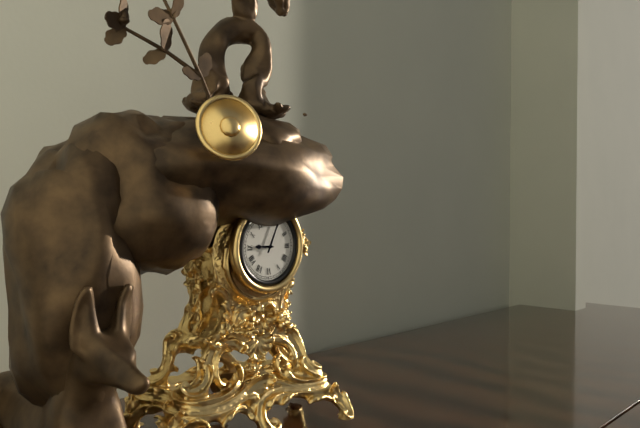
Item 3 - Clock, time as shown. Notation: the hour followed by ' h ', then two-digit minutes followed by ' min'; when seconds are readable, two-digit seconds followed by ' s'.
9 h 04 min
